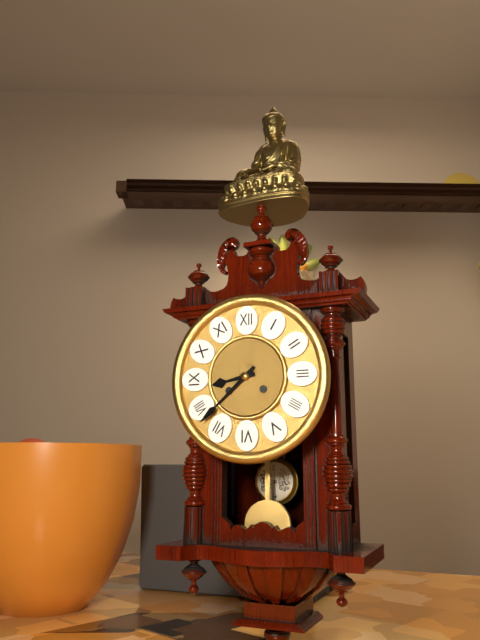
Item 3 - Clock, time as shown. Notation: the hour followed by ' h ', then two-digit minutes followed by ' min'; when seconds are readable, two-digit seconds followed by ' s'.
8 h 38 min
